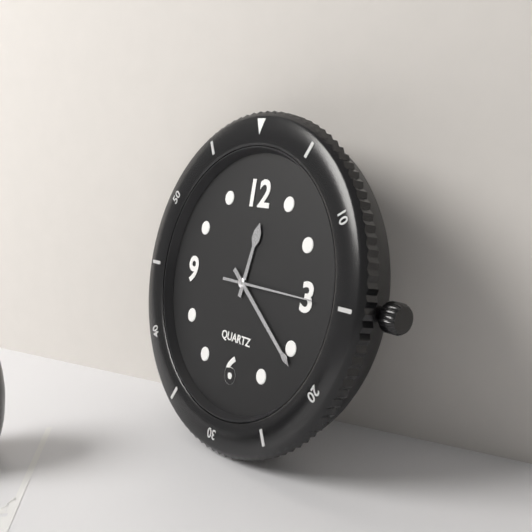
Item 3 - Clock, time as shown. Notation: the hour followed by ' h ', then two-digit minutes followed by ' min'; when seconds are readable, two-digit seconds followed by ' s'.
12 h 21 min
